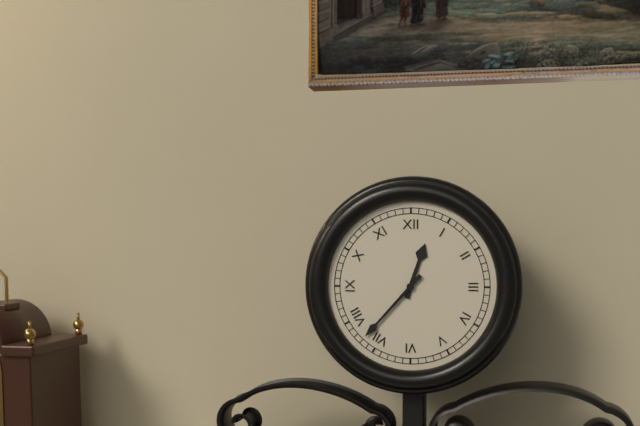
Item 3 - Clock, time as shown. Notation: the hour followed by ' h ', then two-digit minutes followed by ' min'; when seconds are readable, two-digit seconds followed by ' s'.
12 h 37 min
